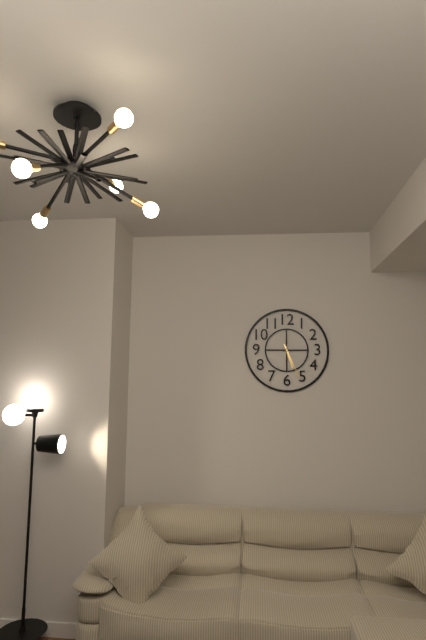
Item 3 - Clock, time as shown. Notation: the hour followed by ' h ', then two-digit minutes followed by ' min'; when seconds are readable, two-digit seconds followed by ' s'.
5 h 26 min
